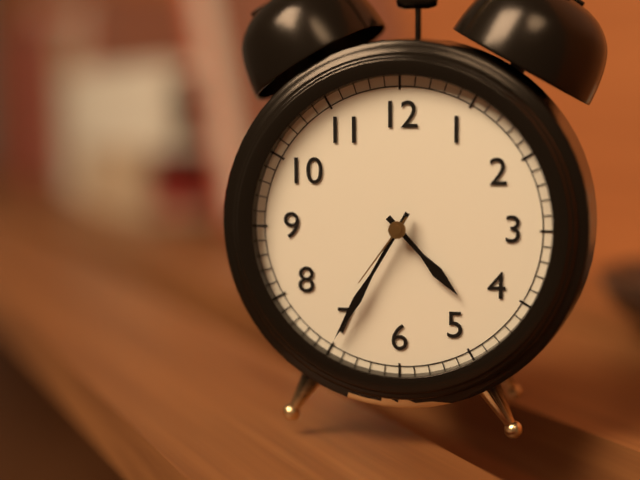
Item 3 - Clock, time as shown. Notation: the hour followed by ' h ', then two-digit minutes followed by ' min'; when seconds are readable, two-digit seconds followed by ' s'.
4 h 35 min 36 s
